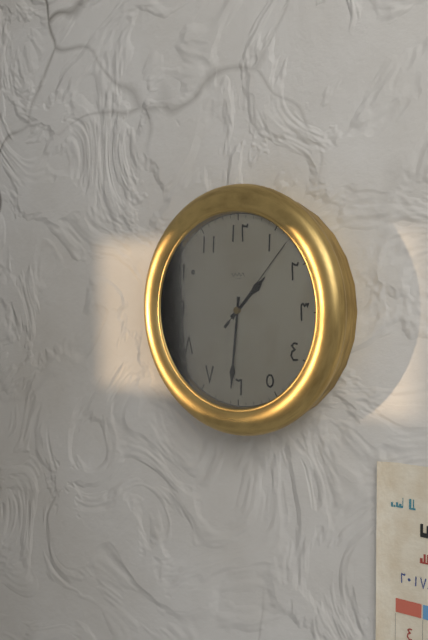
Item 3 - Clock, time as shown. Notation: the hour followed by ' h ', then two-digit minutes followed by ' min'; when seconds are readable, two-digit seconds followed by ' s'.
1 h 31 min 07 s
